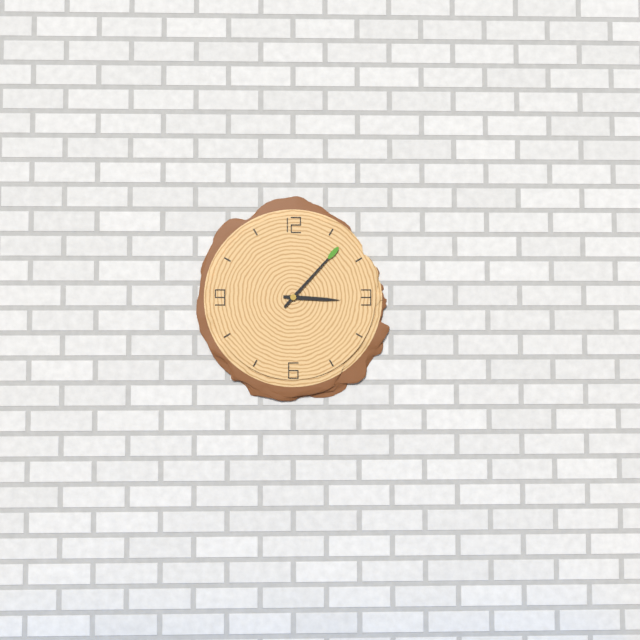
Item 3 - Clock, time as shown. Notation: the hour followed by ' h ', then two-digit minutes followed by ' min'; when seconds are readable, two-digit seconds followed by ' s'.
3 h 07 min
